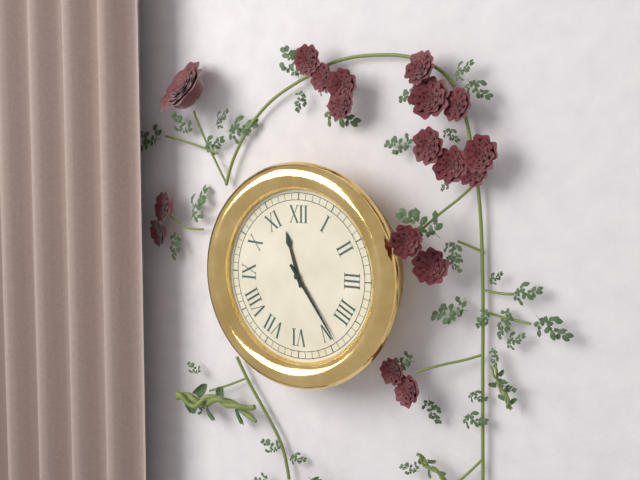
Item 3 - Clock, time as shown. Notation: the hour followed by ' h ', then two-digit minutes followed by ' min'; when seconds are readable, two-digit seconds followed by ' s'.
11 h 24 min
